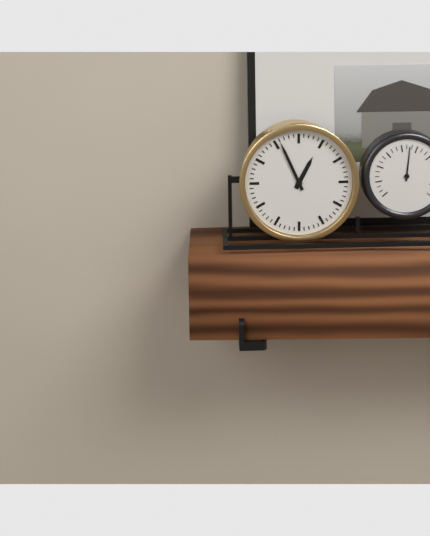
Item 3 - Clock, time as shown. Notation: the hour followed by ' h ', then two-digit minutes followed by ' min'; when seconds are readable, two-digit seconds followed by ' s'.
12 h 56 min
